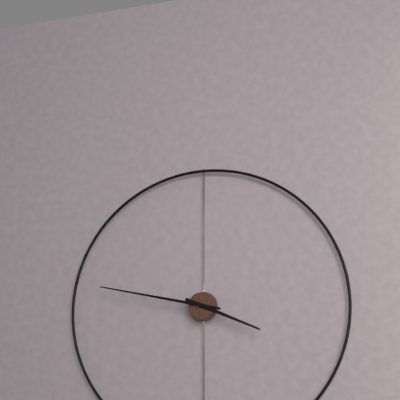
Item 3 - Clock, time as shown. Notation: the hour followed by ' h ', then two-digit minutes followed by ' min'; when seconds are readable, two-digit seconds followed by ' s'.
3 h 47 min
